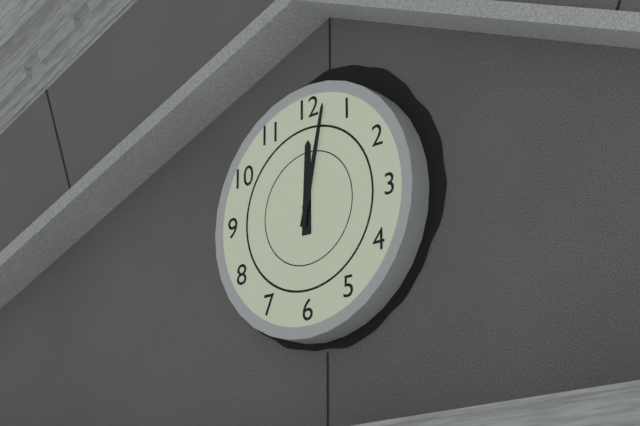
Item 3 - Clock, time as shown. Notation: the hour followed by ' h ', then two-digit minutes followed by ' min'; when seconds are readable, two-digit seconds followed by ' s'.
12 h 02 min
